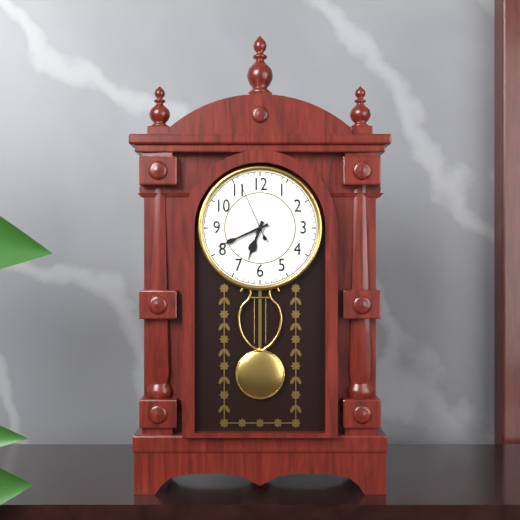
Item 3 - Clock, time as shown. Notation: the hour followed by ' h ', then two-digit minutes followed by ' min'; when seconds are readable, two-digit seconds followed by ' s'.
6 h 41 min 56 s
